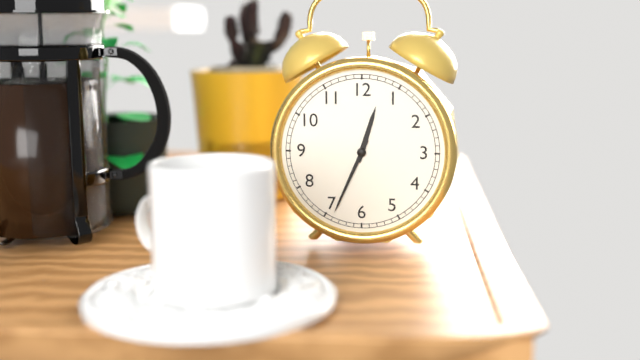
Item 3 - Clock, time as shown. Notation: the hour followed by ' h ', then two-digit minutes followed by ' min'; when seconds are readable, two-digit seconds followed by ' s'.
12 h 34 min
